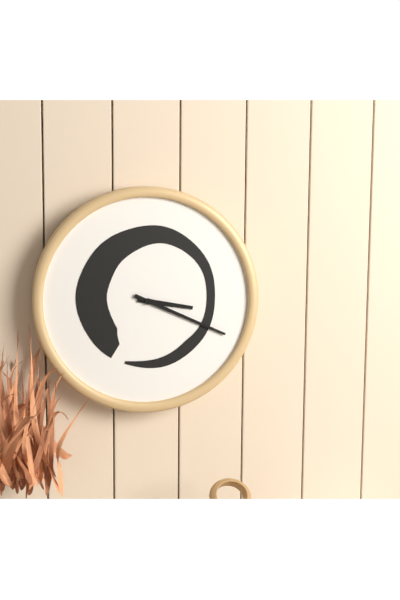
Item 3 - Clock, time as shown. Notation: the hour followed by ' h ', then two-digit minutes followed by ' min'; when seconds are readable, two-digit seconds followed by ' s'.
3 h 19 min
